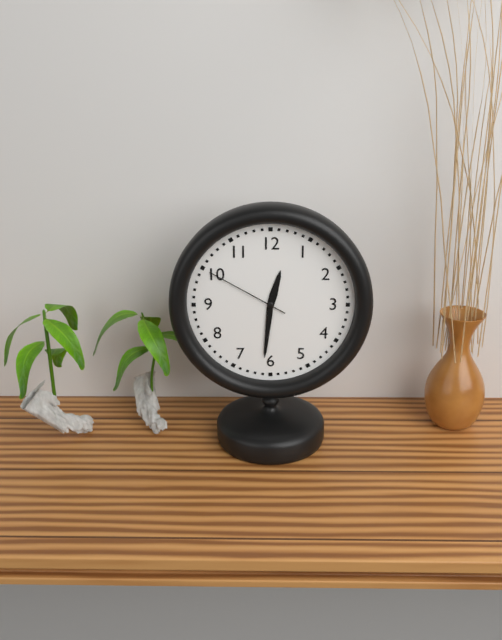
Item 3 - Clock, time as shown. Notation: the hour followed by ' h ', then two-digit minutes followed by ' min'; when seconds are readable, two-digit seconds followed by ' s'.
12 h 31 min 50 s
